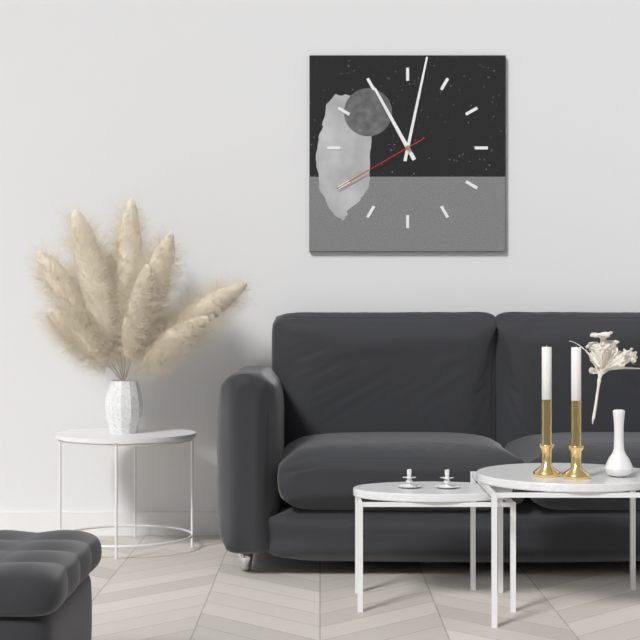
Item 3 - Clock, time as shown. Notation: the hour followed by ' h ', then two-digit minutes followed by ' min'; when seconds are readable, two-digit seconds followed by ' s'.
11 h 02 min 40 s
